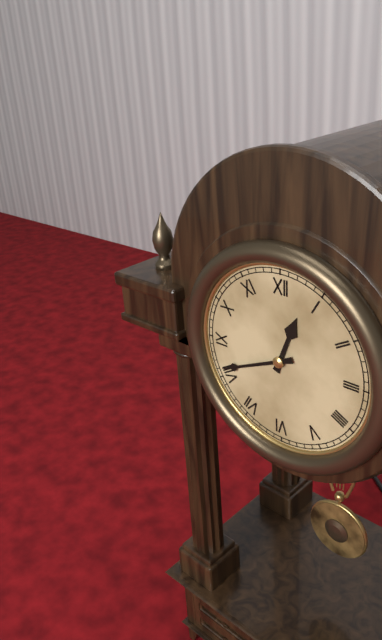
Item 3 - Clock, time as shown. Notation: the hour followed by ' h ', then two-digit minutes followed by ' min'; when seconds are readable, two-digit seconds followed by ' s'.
12 h 41 min
